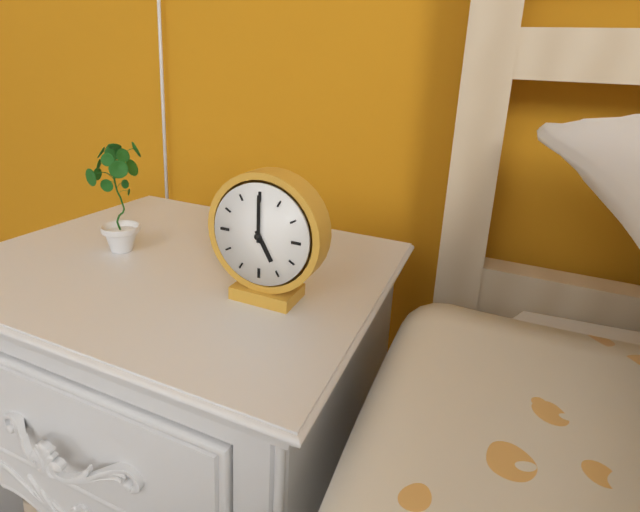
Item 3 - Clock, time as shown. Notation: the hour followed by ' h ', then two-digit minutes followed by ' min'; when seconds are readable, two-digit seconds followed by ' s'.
5 h 00 min
